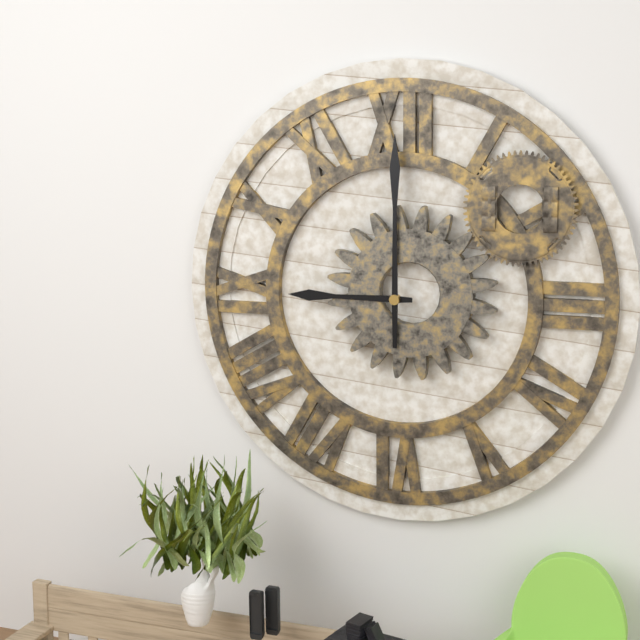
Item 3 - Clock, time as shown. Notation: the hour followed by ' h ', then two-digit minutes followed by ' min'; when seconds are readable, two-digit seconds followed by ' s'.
9 h 00 min
